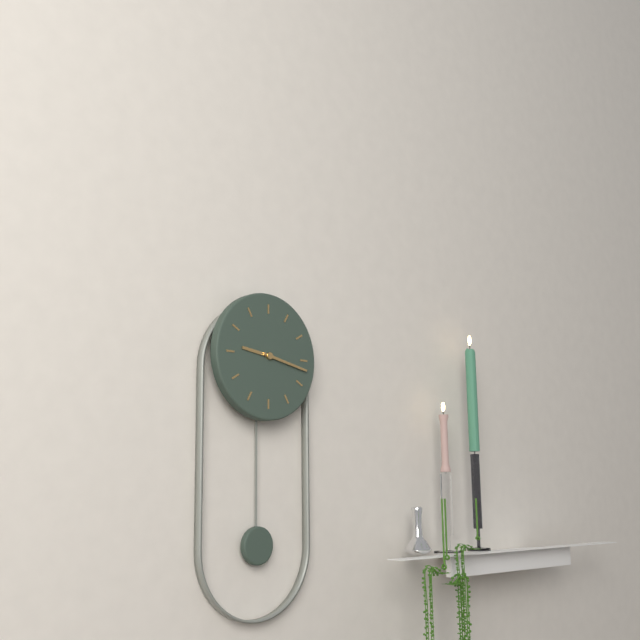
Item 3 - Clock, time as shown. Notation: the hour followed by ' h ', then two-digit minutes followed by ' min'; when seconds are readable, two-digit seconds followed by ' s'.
9 h 17 min
